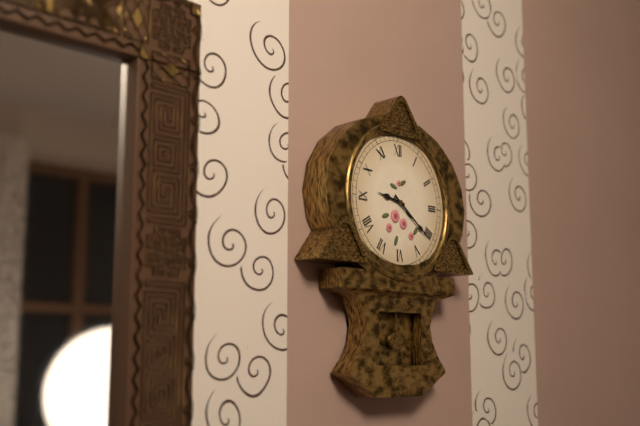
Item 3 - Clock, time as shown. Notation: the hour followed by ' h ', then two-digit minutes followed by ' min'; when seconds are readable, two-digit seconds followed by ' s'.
9 h 21 min
